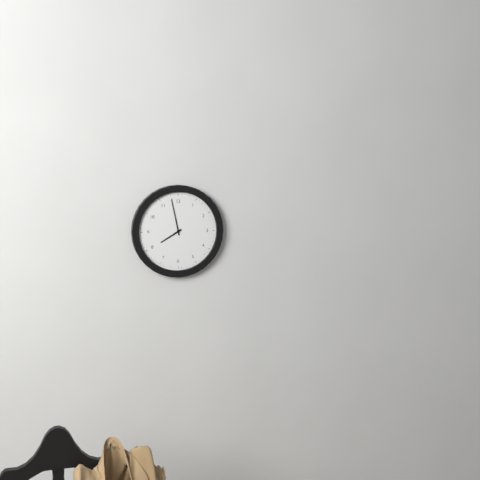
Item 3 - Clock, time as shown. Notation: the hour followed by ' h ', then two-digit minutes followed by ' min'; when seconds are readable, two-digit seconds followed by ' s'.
7 h 58 min
